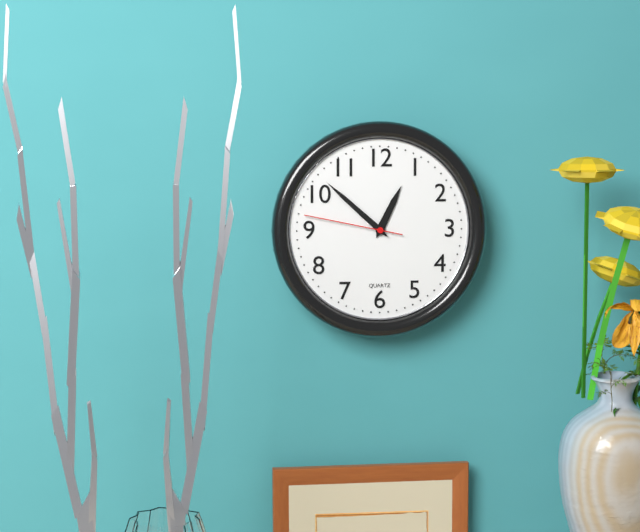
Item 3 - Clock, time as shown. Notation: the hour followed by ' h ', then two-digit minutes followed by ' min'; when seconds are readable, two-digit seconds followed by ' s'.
12 h 52 min 47 s
